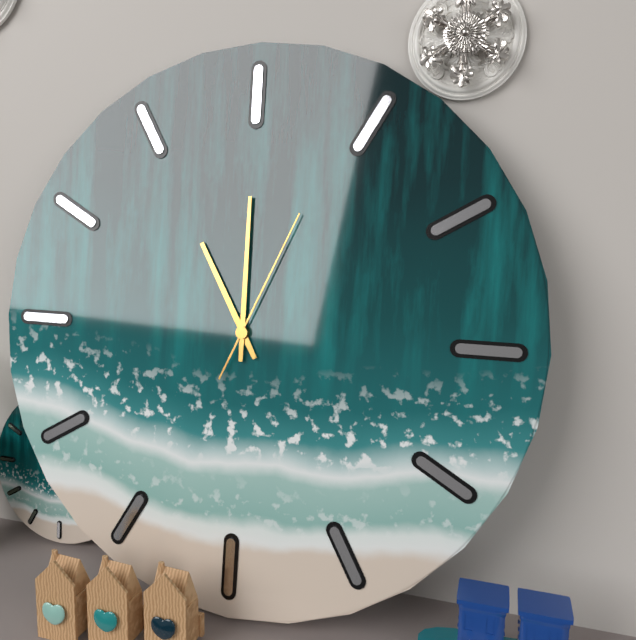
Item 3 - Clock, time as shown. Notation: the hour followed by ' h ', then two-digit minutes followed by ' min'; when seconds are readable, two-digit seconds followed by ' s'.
11 h 00 min 04 s
